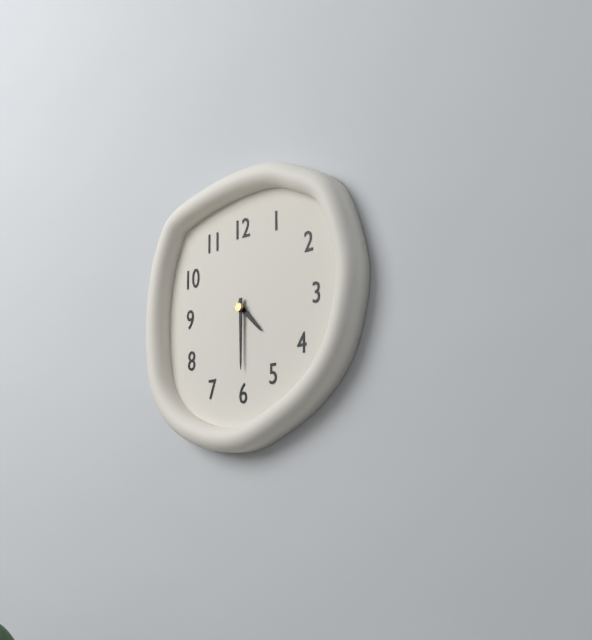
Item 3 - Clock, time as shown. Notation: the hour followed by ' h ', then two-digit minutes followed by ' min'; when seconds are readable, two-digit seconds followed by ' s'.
4 h 30 min
